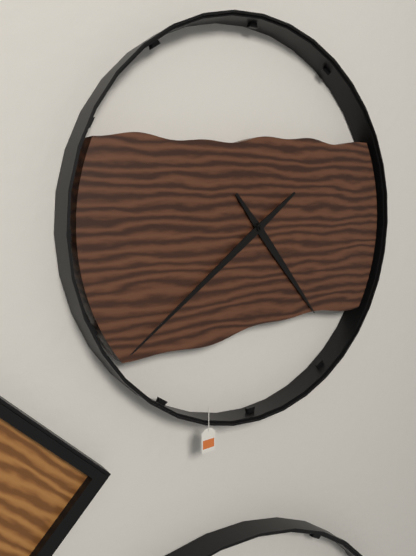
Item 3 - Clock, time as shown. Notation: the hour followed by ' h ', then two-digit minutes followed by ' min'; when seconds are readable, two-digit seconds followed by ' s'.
4 h 39 min
